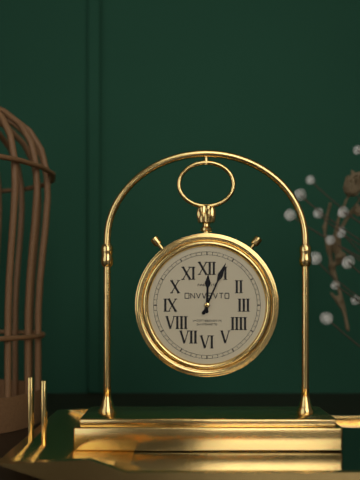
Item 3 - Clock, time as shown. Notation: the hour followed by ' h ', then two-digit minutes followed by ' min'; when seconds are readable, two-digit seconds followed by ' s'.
12 h 04 min
